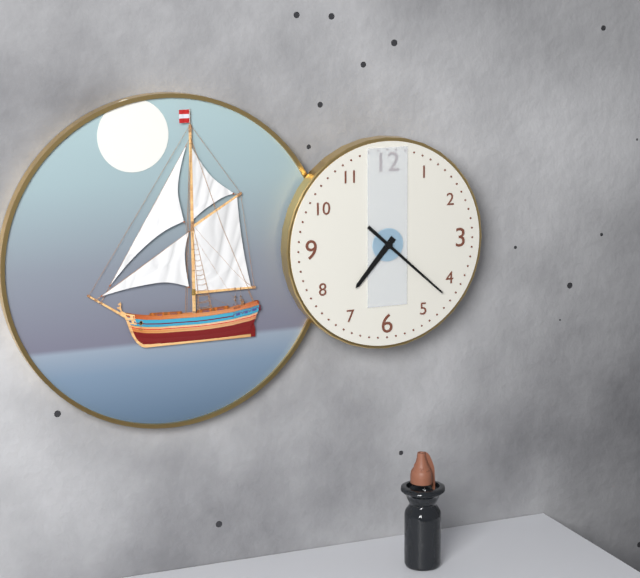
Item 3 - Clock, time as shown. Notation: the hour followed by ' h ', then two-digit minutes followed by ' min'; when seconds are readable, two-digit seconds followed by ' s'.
7 h 22 min
